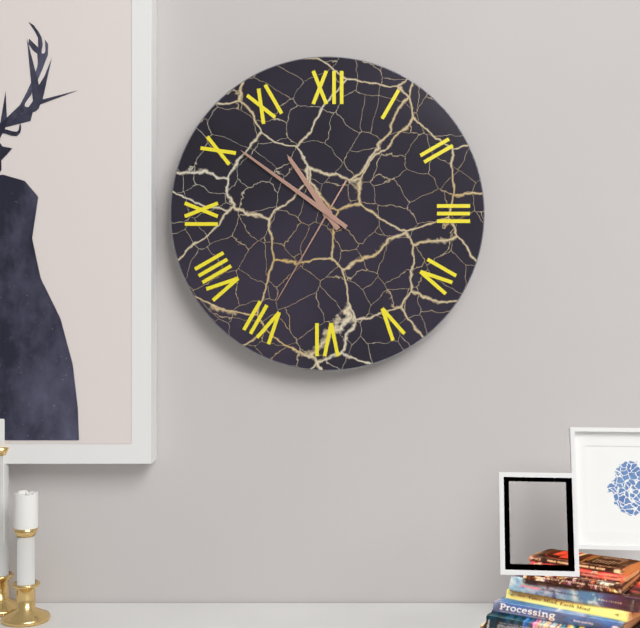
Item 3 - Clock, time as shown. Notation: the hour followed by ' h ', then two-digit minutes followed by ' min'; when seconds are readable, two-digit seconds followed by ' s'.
10 h 51 min 35 s
